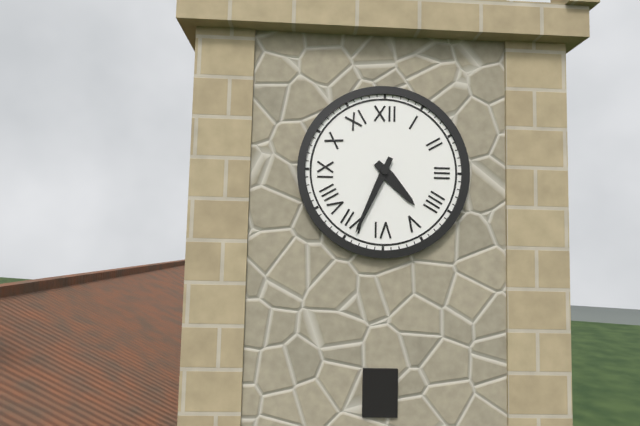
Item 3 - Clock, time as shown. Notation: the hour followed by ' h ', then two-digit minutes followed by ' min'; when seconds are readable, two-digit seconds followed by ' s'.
4 h 34 min
